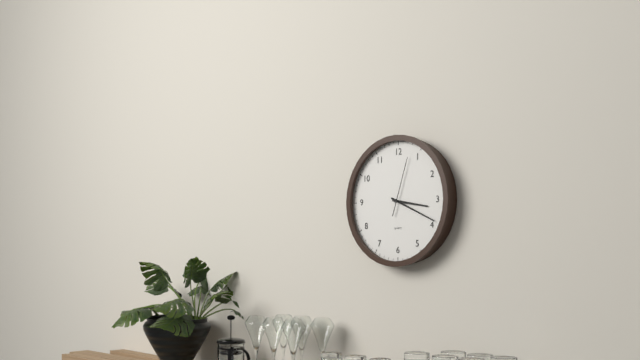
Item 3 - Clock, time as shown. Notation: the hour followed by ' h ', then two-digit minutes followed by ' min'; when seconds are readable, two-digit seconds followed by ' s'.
3 h 19 min 03 s
